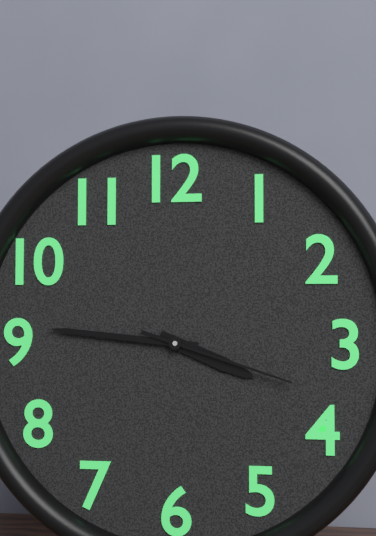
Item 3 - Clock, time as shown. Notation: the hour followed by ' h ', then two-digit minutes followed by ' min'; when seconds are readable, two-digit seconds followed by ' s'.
3 h 46 min 18 s
